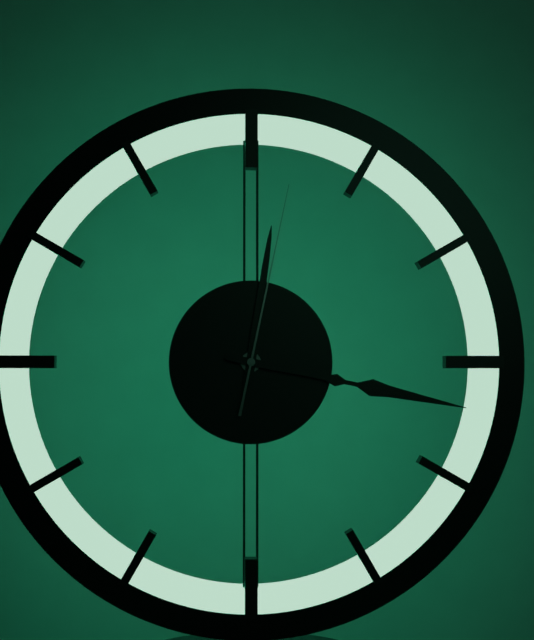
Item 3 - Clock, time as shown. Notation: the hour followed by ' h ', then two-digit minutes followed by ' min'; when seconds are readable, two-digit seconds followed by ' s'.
12 h 17 min 02 s
